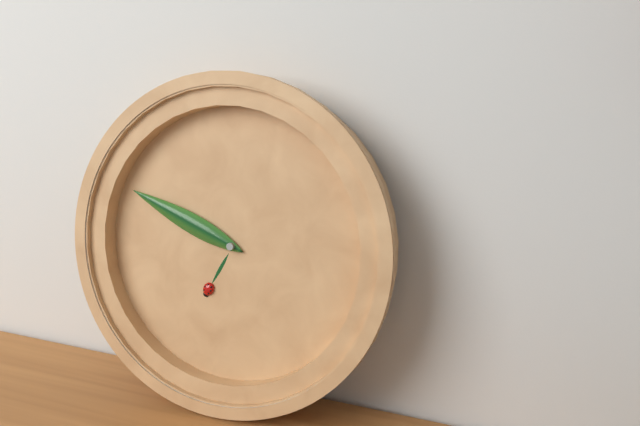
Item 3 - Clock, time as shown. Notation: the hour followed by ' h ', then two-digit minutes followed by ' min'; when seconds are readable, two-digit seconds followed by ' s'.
6 h 48 min
